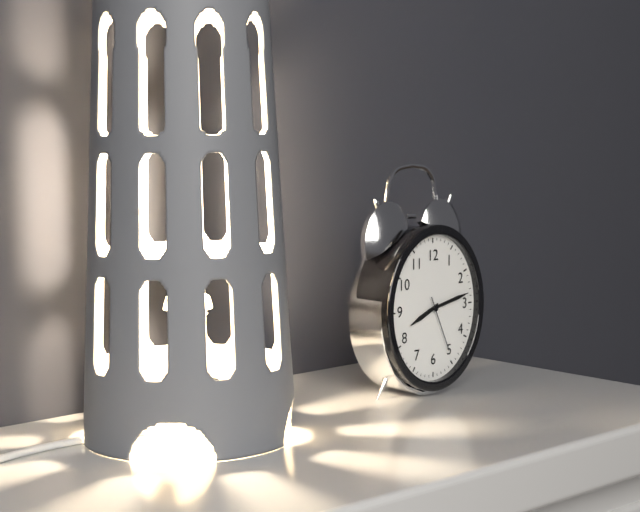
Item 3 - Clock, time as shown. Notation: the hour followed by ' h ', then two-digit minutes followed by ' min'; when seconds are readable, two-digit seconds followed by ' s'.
8 h 13 min 26 s
